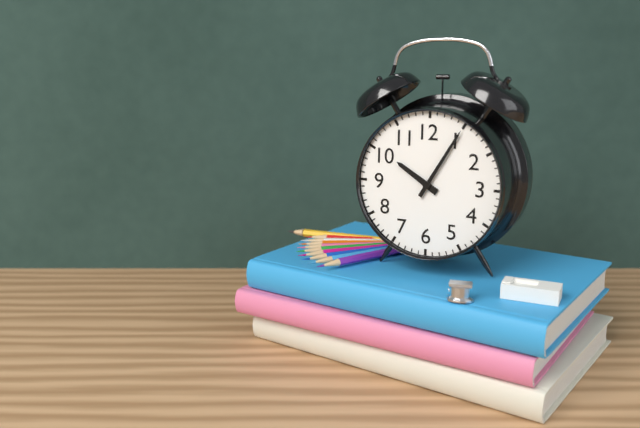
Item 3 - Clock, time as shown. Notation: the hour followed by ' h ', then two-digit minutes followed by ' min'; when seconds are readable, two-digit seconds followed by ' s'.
10 h 05 min
